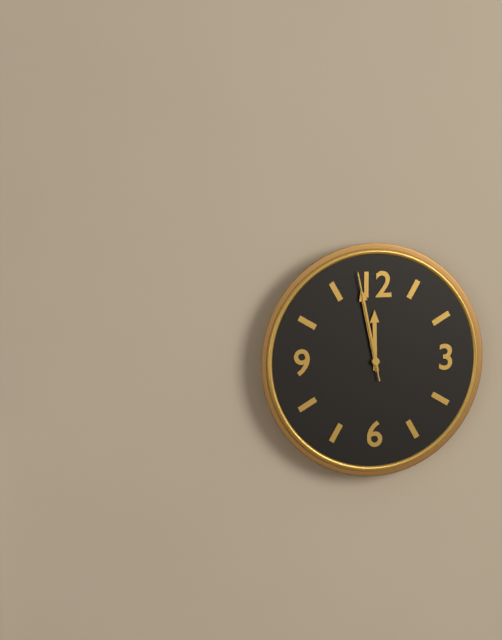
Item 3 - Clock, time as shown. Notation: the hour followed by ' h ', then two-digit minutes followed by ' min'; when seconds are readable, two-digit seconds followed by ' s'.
11 h 58 min 58 s
